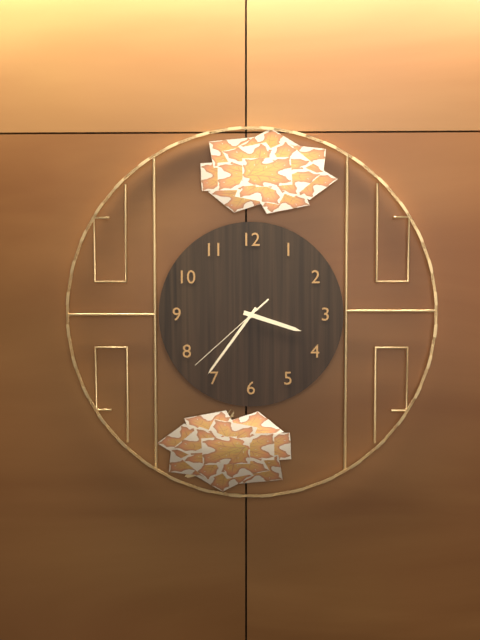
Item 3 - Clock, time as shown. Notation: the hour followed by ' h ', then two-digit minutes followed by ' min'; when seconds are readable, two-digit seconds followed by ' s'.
3 h 36 min 38 s
